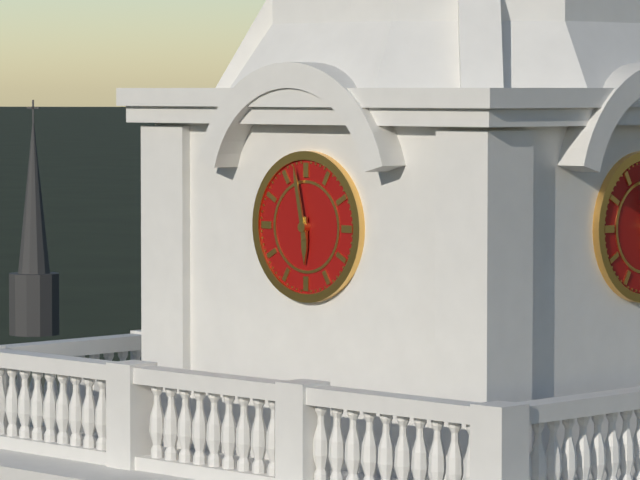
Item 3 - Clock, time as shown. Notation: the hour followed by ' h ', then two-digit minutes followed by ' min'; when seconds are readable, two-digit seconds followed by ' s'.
5 h 58 min
